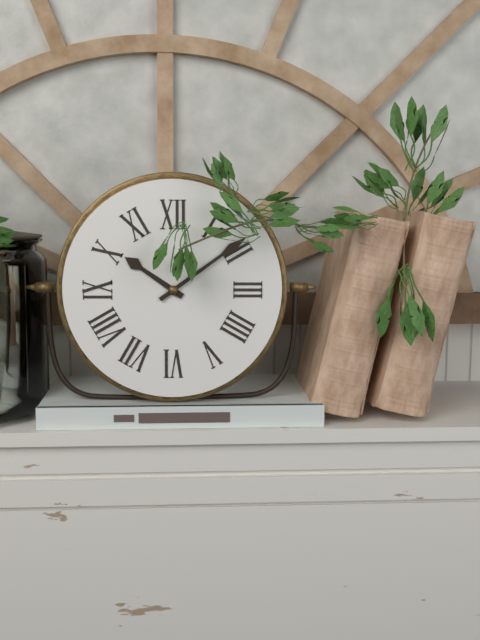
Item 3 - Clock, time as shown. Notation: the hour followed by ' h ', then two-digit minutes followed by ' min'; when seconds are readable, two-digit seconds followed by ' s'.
10 h 09 min
